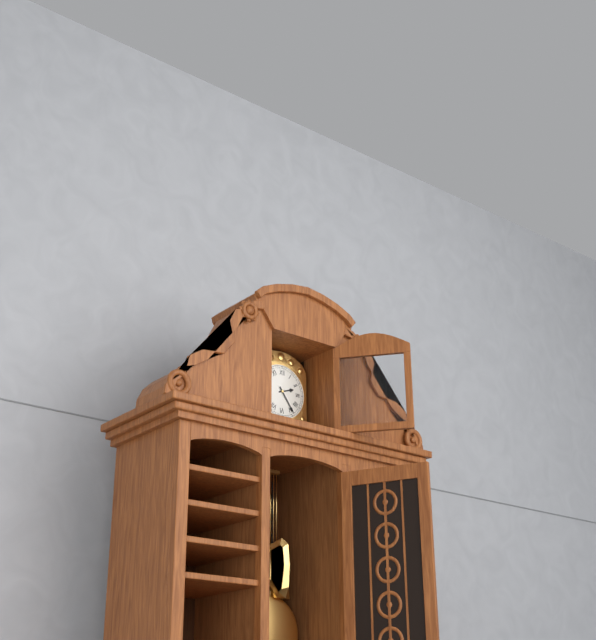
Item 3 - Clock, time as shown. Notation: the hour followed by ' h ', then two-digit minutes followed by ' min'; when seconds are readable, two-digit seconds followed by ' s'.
2 h 24 min
